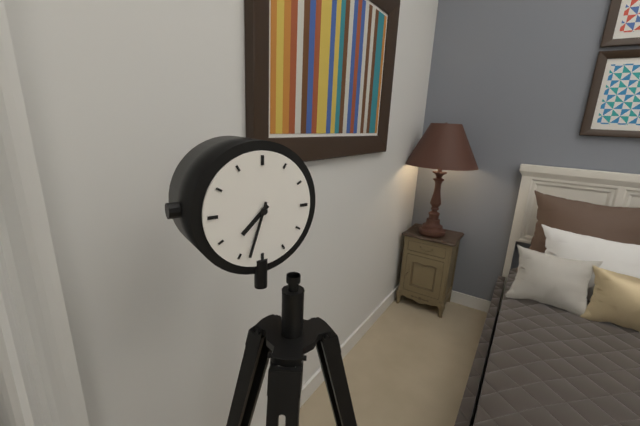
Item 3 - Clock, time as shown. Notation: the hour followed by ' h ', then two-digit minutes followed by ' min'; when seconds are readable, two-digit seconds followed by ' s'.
7 h 33 min
